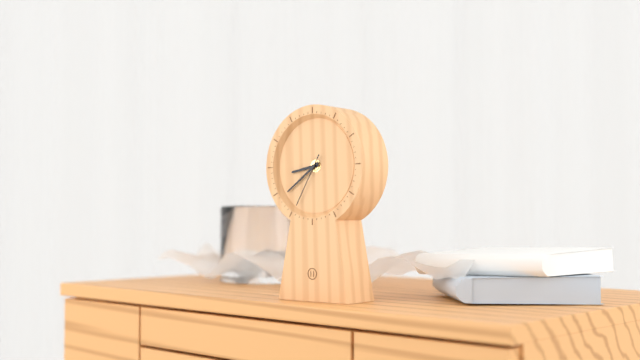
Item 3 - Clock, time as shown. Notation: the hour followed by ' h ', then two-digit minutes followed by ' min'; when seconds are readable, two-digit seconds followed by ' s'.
8 h 39 min 35 s
